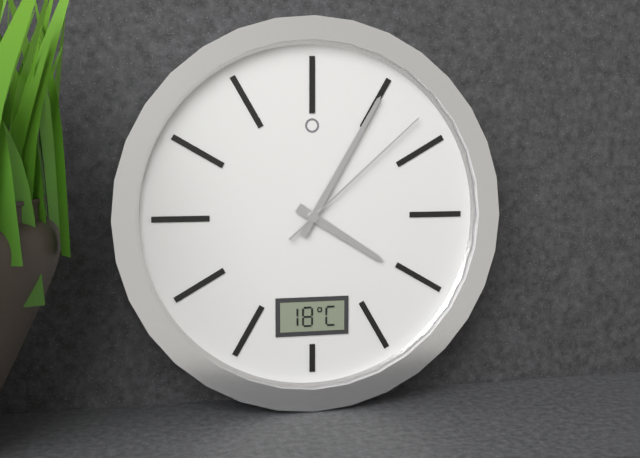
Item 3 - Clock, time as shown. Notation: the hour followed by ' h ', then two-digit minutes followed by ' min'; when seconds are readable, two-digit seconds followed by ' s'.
4 h 05 min 08 s
